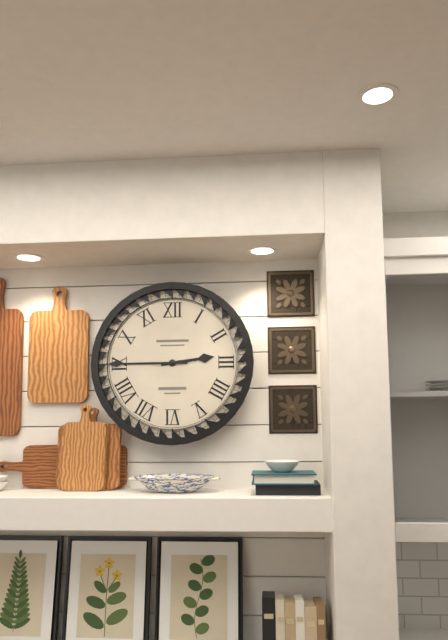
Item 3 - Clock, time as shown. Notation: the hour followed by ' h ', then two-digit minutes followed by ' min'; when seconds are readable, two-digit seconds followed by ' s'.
2 h 45 min
